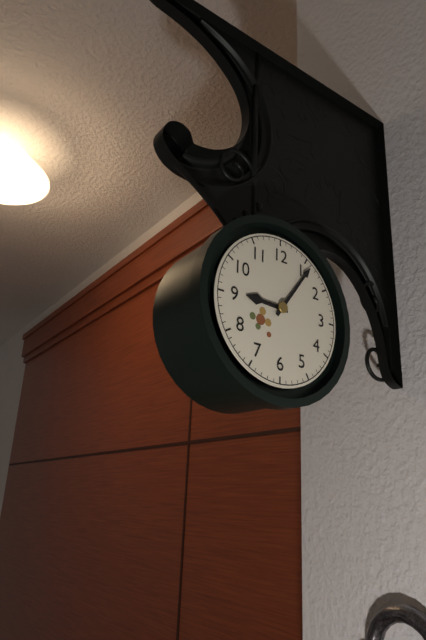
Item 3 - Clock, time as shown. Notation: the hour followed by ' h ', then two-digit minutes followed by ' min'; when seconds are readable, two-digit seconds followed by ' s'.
9 h 06 min
